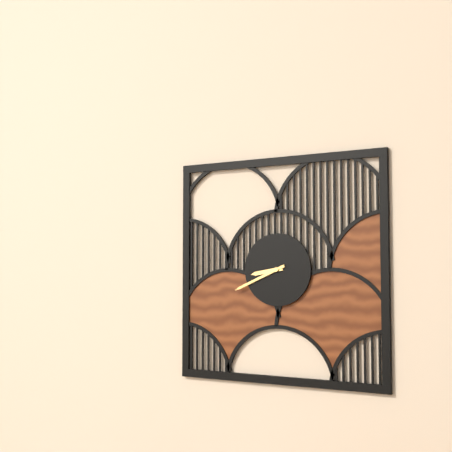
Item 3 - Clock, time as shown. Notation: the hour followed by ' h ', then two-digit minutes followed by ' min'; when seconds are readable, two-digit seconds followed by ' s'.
8 h 41 min
